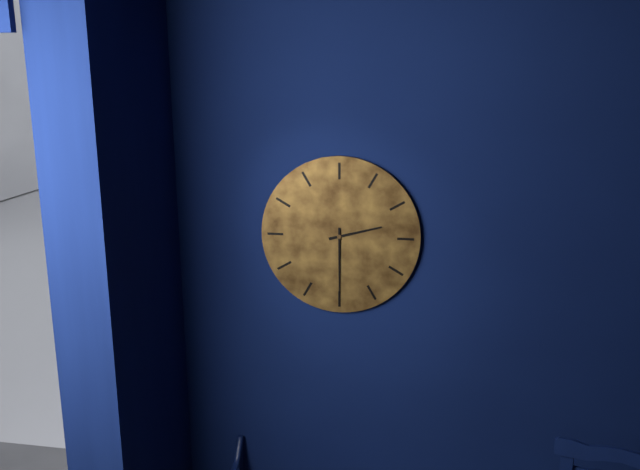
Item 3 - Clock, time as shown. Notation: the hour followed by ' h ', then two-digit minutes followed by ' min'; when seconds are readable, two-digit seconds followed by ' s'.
2 h 30 min
